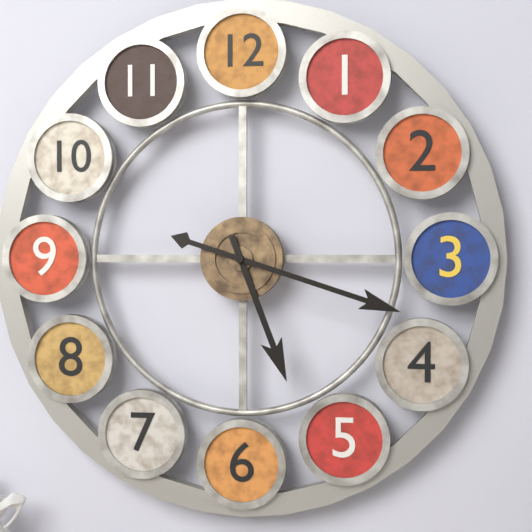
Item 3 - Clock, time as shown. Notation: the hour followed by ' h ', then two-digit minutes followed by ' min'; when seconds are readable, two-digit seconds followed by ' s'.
5 h 18 min
